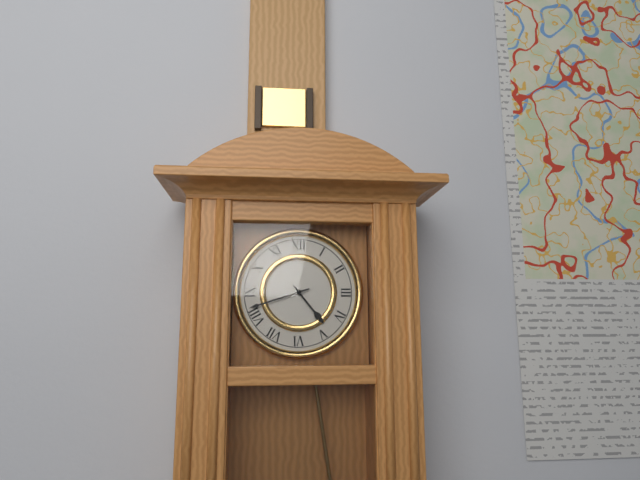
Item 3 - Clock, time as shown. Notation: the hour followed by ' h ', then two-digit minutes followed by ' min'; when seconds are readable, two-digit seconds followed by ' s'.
4 h 42 min
